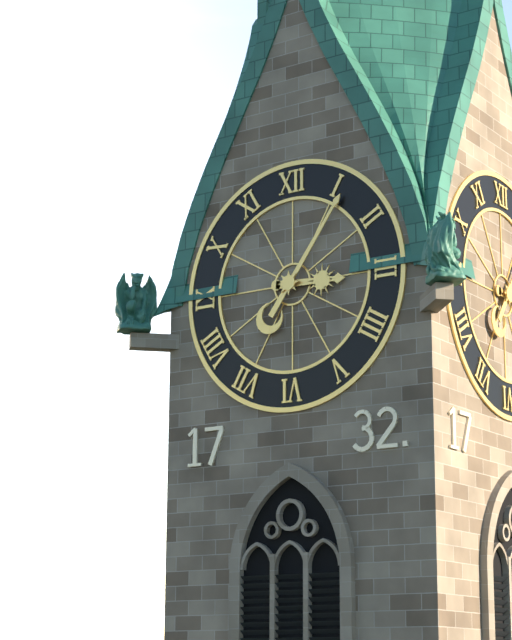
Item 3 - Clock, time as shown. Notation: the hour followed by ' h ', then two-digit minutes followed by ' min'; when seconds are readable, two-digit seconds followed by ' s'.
3 h 06 min
